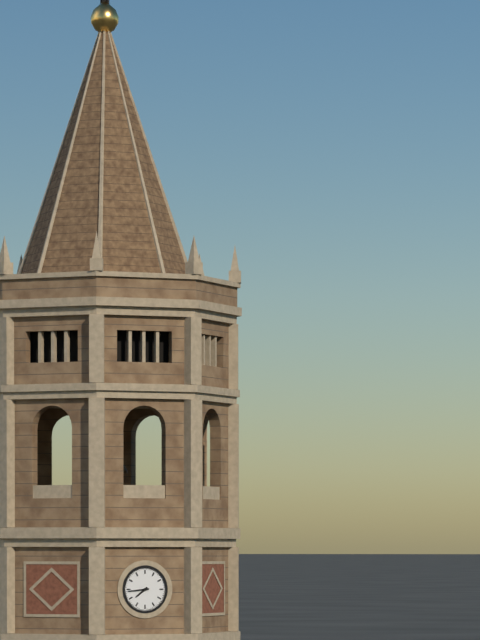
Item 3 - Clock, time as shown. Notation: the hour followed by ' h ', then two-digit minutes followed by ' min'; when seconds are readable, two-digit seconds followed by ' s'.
7 h 44 min
